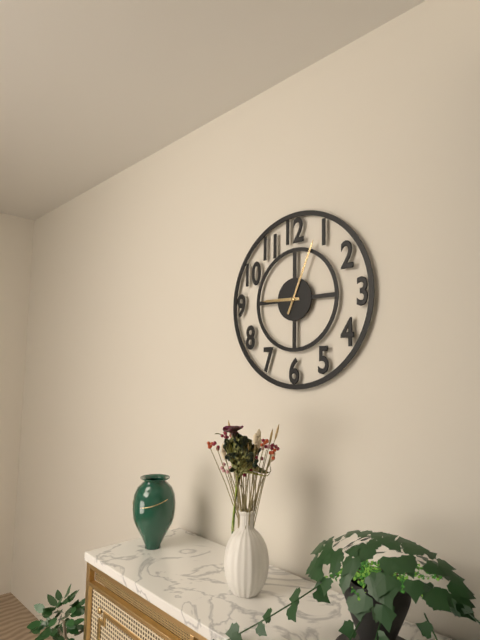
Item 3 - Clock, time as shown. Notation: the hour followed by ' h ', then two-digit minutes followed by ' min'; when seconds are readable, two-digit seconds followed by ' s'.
9 h 04 min
